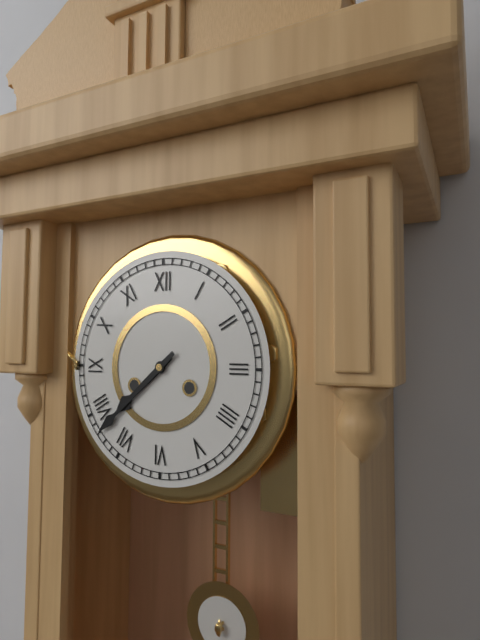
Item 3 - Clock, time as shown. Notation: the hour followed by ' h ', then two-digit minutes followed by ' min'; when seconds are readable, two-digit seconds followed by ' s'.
7 h 38 min
